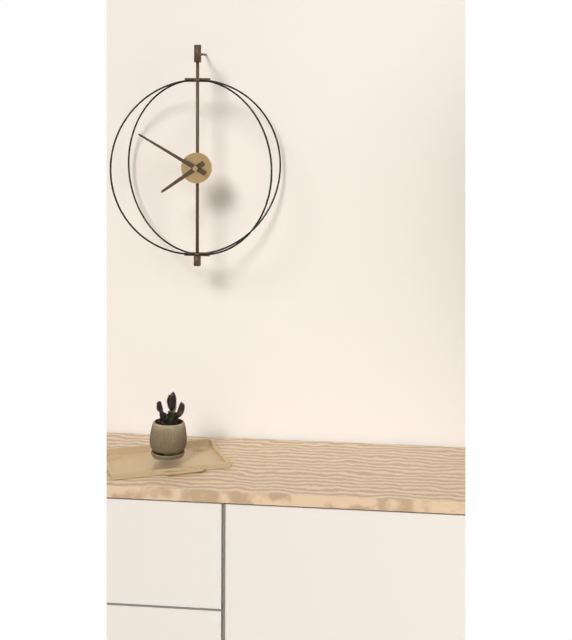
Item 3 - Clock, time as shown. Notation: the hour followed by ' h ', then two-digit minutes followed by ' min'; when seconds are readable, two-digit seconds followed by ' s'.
7 h 50 min
